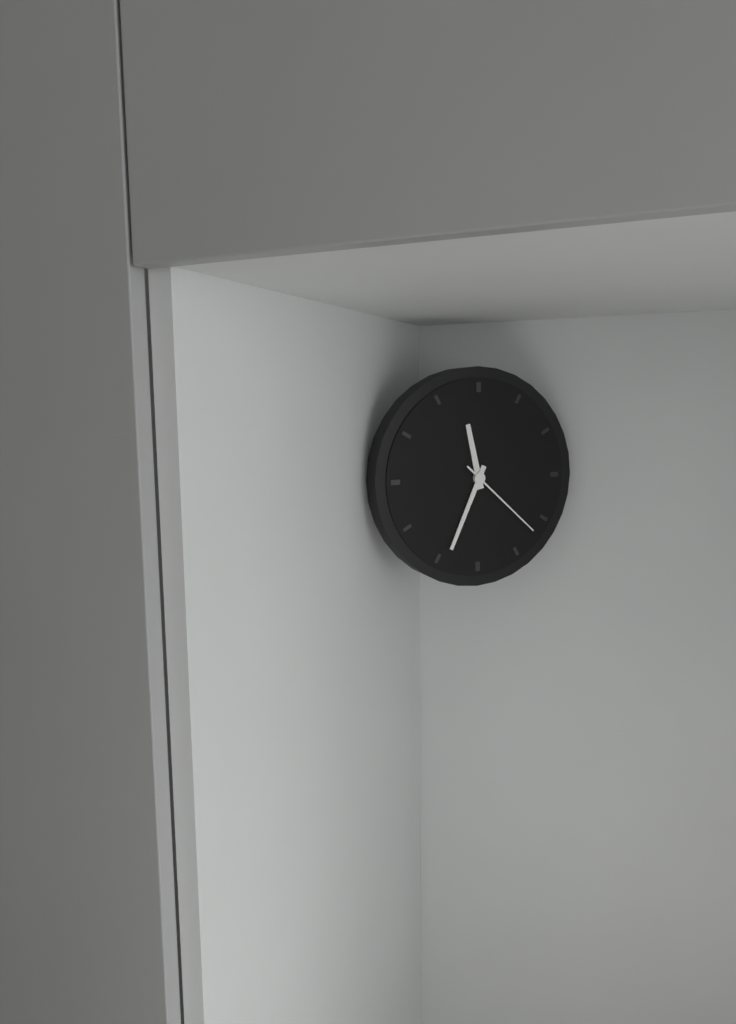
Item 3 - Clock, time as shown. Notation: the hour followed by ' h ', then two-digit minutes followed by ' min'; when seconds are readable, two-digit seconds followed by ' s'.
11 h 34 min 22 s
